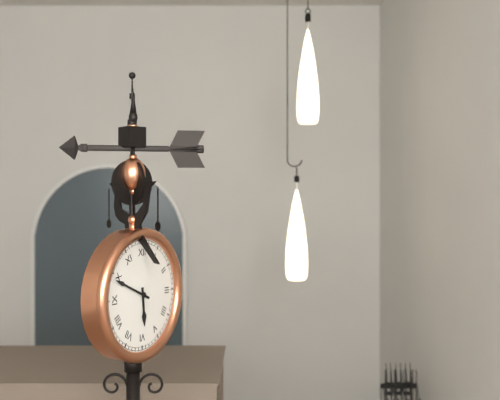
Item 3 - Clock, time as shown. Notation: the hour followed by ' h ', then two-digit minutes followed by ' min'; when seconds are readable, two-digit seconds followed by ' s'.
5 h 49 min
